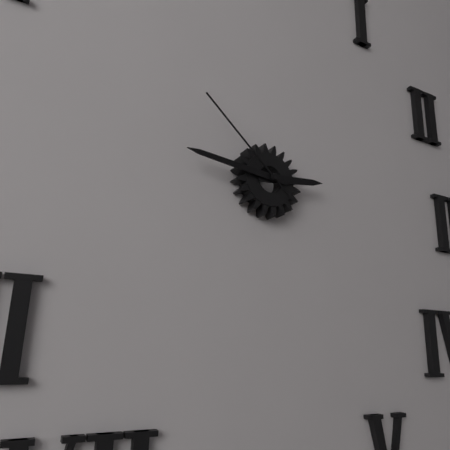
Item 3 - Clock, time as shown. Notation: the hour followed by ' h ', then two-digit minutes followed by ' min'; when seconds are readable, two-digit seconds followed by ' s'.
2 h 46 min 52 s
